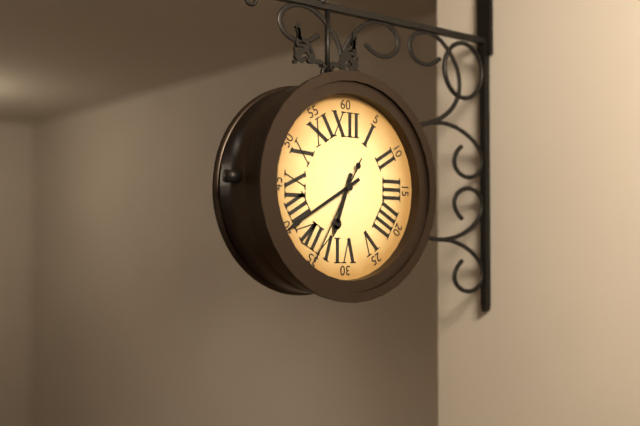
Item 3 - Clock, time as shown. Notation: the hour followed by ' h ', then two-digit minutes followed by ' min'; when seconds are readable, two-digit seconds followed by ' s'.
6 h 40 min 35 s
